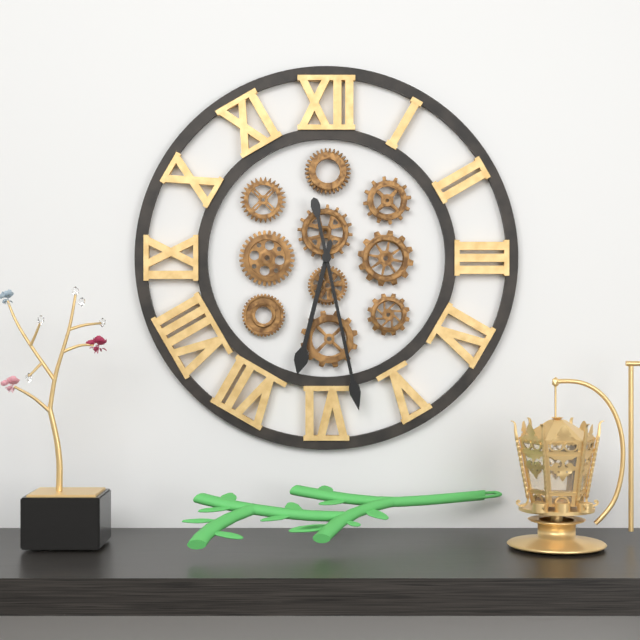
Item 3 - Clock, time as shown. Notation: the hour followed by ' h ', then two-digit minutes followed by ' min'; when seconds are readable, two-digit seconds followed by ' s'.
6 h 28 min
